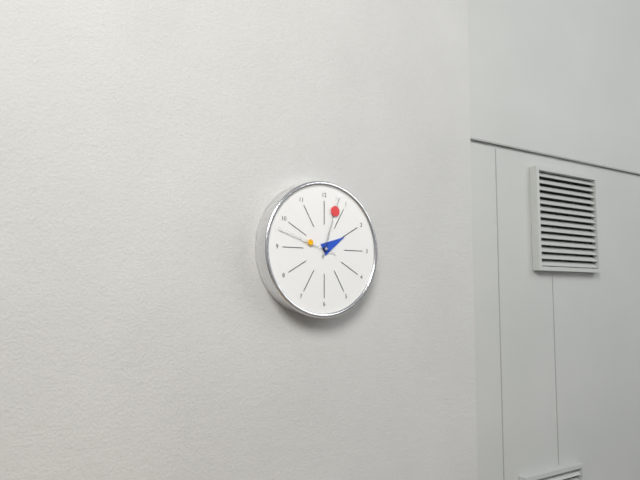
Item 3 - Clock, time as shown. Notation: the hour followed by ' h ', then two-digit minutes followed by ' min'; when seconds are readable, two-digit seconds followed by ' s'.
2 h 03 min 48 s
